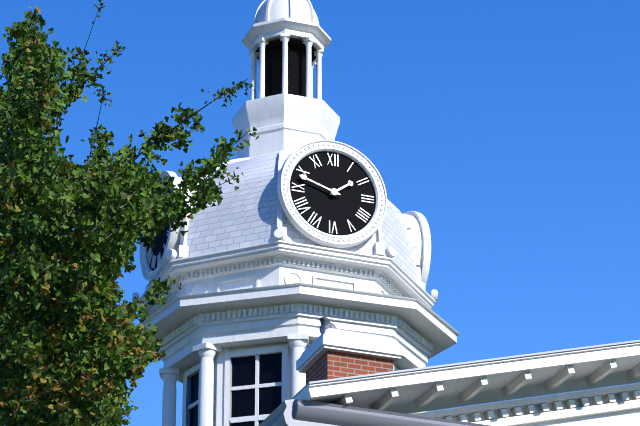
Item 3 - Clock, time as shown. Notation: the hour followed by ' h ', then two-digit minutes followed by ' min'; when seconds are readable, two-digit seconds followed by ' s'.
1 h 48 min
